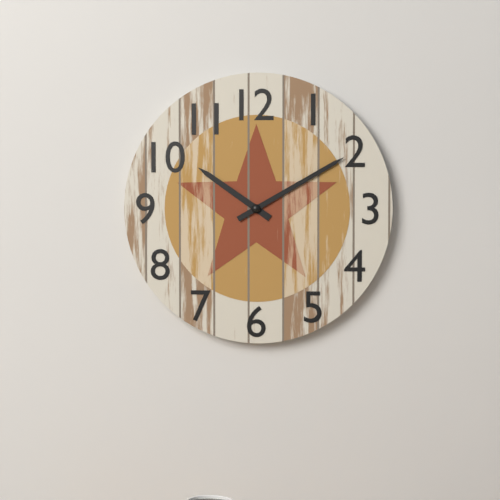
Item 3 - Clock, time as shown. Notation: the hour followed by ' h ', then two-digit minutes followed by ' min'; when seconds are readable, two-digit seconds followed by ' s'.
10 h 10 min
